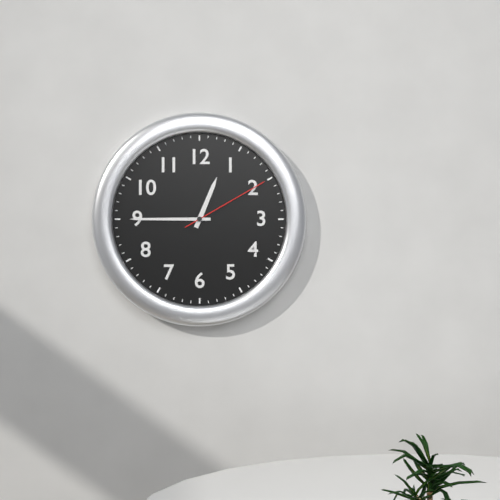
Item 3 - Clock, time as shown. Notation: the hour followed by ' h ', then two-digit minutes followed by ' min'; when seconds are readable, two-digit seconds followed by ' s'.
12 h 45 min 10 s
